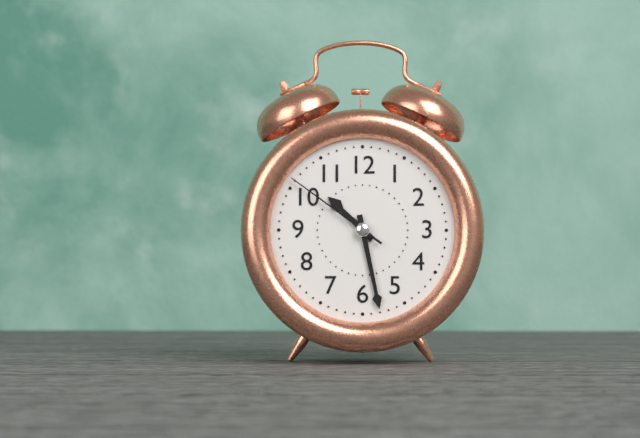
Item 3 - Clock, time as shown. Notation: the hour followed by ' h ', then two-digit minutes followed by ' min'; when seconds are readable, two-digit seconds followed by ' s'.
10 h 28 min 51 s
